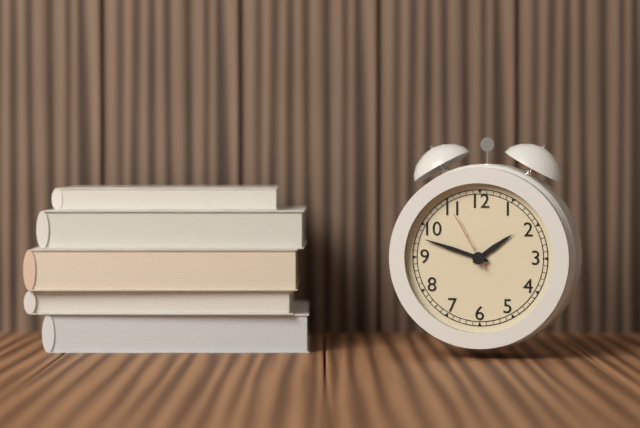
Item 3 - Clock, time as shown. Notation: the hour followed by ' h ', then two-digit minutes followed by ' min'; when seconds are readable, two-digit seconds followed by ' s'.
1 h 48 min 55 s
